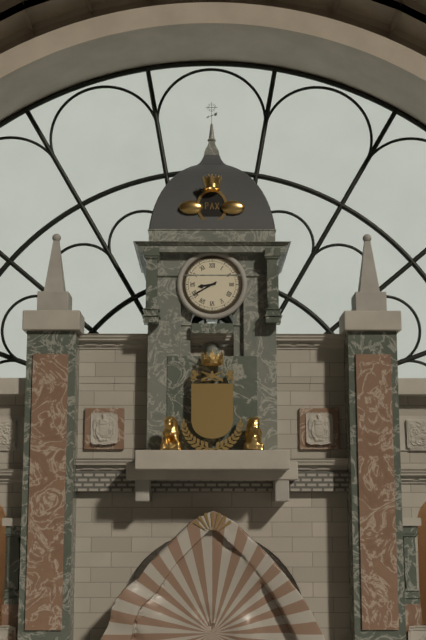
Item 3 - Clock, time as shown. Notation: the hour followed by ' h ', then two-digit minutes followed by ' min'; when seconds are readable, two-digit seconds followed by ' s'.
8 h 40 min
